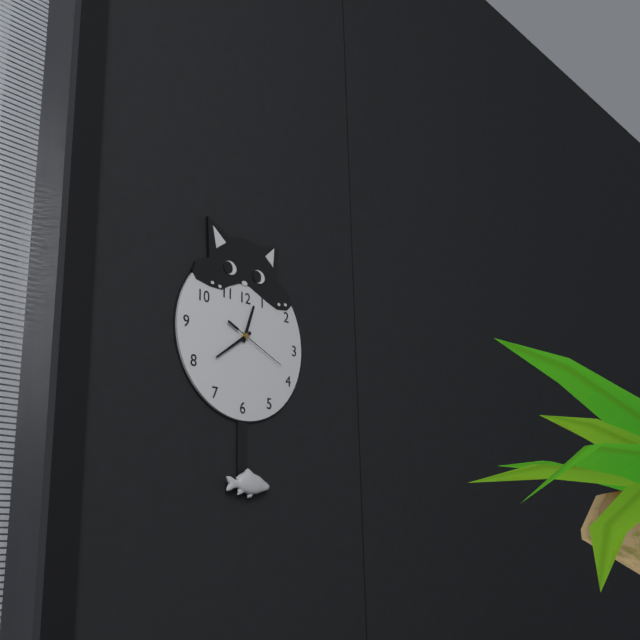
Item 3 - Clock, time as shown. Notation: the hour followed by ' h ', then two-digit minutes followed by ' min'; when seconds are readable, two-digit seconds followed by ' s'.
12 h 39 min 19 s
